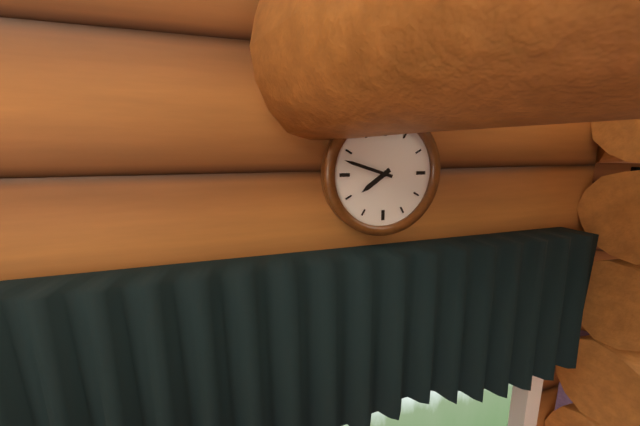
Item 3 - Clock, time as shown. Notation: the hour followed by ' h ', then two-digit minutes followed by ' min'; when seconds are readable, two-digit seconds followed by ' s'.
7 h 48 min
